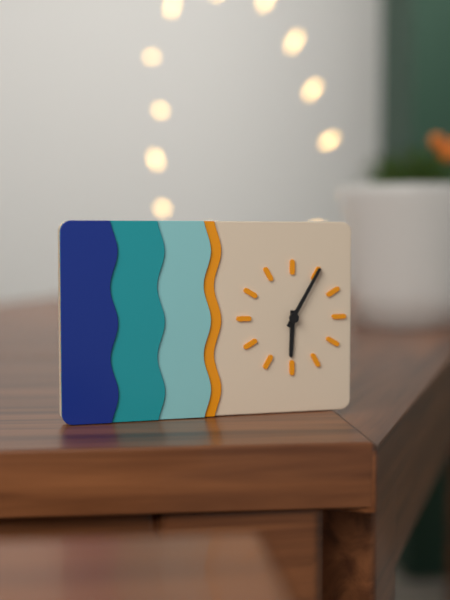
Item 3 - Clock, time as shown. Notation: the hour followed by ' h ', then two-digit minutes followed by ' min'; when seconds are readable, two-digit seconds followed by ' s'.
6 h 05 min
